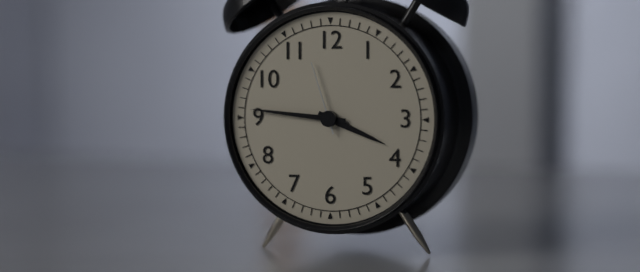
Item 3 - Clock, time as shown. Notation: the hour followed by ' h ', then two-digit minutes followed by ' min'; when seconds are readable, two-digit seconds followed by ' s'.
3 h 46 min 57 s
